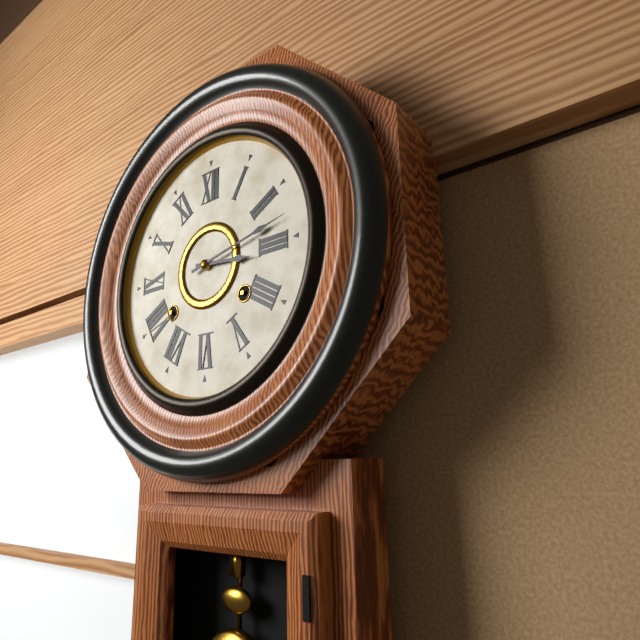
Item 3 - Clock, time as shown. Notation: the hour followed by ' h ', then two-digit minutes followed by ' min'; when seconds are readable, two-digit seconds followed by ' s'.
3 h 13 min
